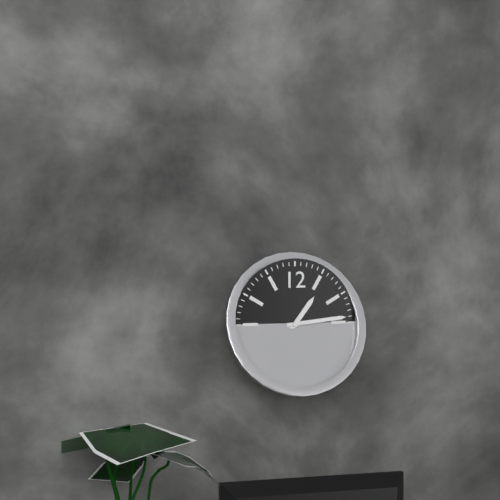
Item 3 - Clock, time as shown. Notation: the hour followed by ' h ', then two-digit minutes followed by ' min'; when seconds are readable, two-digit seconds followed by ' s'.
1 h 14 min
